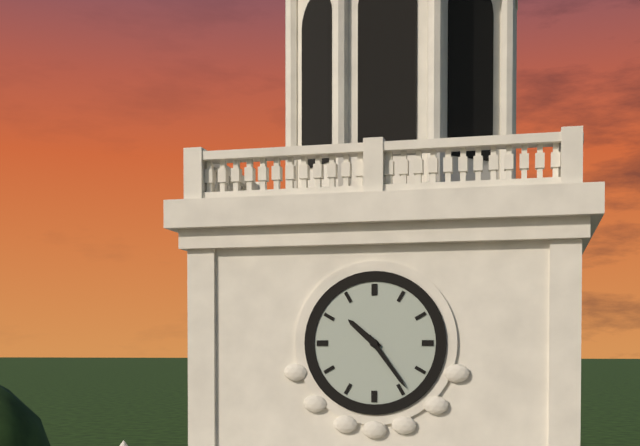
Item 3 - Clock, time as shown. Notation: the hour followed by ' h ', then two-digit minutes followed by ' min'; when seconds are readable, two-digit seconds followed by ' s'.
10 h 24 min
